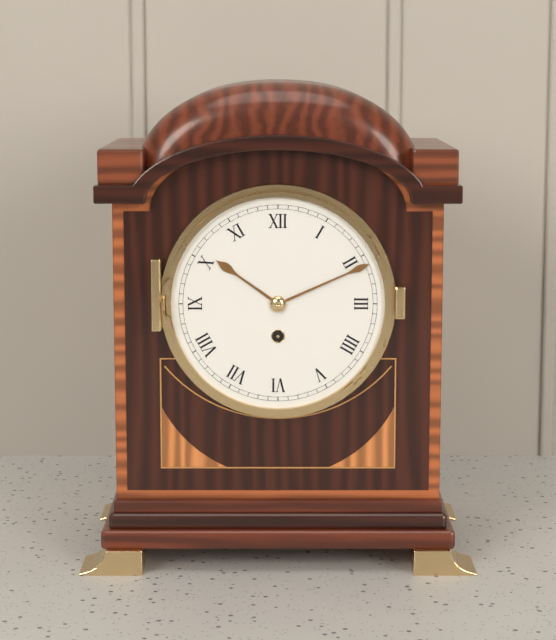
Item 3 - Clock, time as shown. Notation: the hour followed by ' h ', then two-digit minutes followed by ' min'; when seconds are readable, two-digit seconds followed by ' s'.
10 h 11 min
